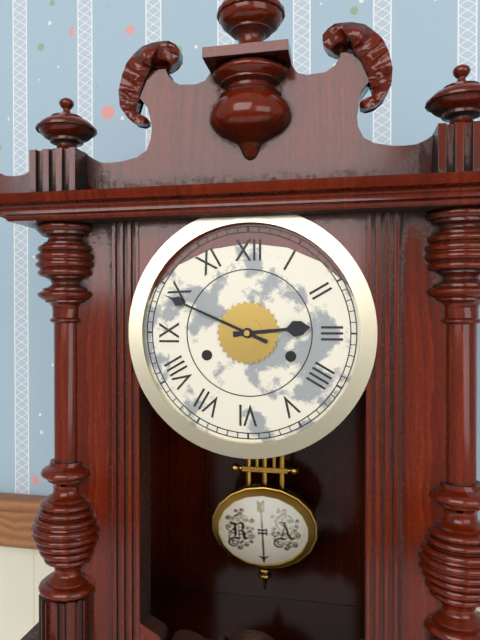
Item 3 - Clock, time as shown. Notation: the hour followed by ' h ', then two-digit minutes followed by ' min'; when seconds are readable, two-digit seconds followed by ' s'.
2 h 49 min
